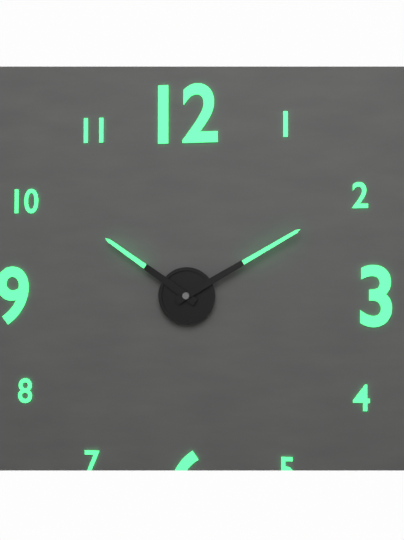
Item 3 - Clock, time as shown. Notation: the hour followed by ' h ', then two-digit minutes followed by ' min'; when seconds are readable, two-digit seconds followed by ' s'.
10 h 10 min
